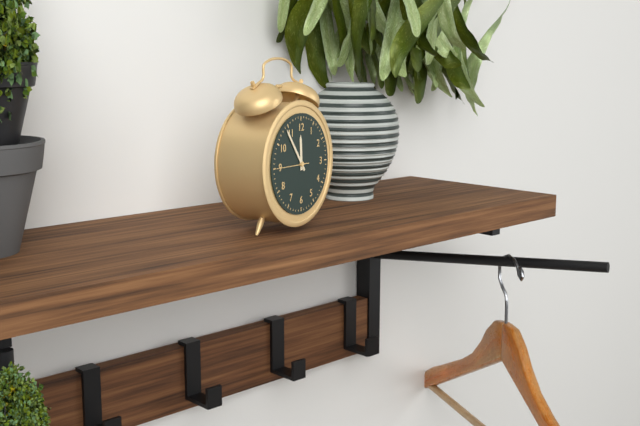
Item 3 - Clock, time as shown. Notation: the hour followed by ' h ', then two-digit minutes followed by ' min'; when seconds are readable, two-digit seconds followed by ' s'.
11 h 54 min
